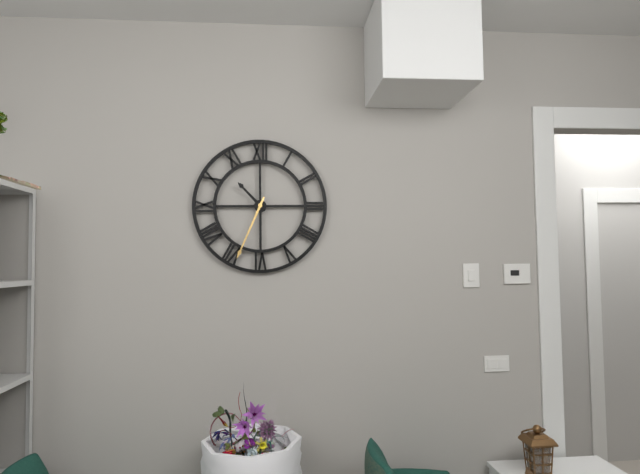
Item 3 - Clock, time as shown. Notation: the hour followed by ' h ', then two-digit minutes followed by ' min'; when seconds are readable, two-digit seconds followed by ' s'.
10 h 34 min
